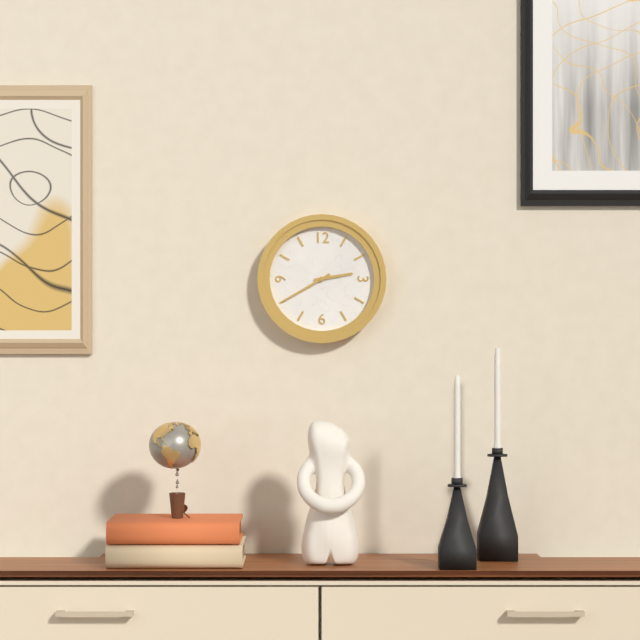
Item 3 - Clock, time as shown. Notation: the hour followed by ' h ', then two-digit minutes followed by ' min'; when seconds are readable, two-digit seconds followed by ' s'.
2 h 40 min
